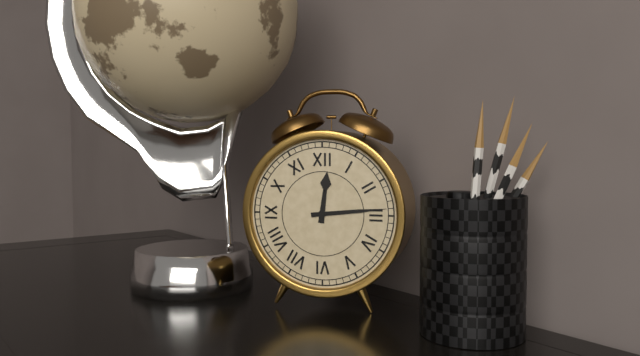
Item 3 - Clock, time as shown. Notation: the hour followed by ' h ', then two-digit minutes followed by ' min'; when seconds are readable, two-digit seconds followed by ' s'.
12 h 14 min
